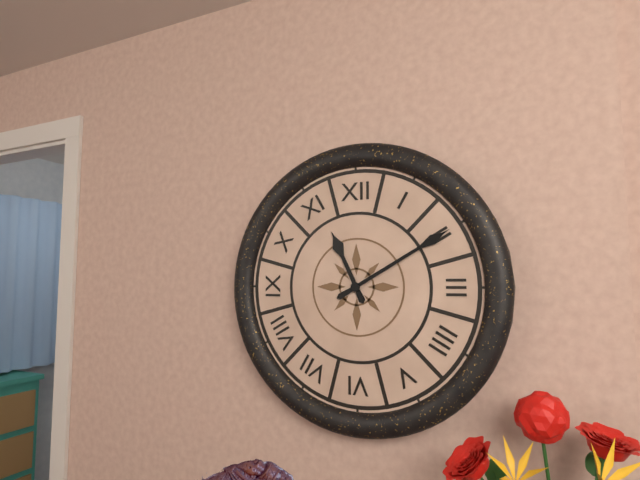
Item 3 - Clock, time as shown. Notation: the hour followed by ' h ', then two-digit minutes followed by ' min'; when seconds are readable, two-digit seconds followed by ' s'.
11 h 10 min
